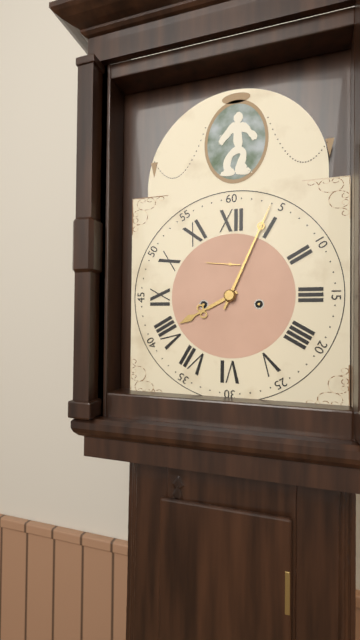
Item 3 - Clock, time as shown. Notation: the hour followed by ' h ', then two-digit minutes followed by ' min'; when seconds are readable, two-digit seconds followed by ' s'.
8 h 04 min
